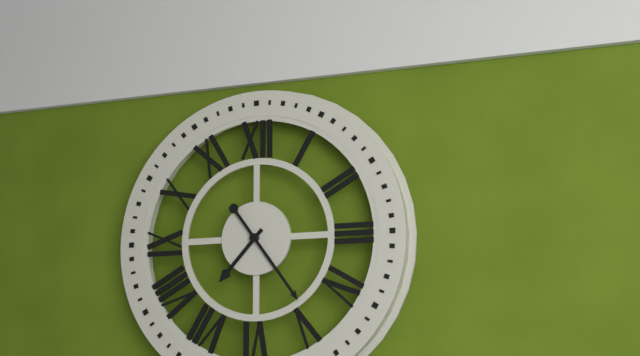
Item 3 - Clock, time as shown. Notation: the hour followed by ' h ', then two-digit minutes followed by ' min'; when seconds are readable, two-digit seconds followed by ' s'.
7 h 24 min
